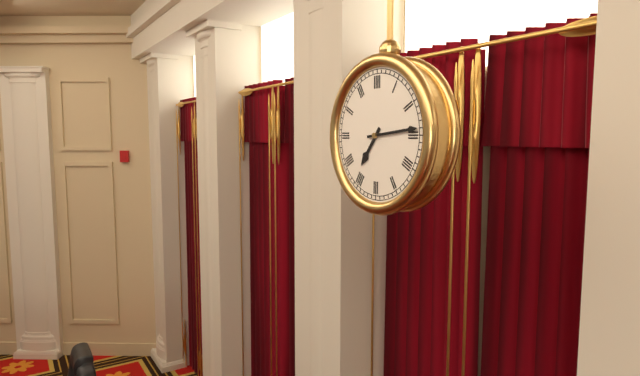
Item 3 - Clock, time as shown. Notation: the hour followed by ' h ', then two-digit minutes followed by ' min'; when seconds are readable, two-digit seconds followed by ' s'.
7 h 14 min
